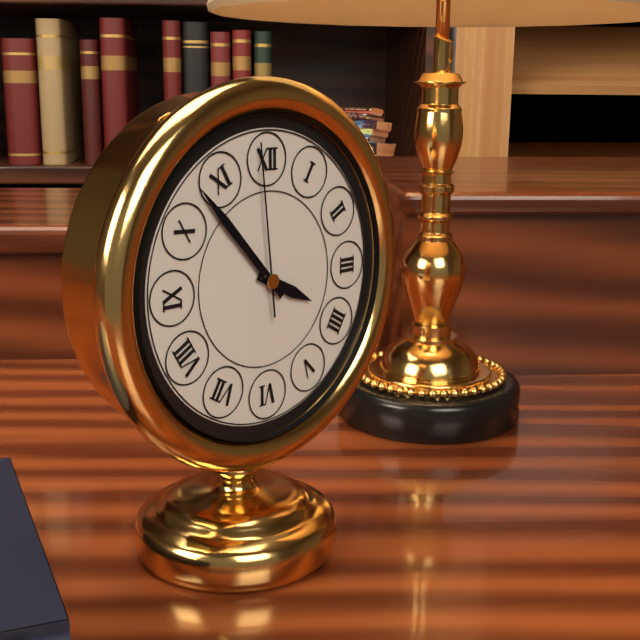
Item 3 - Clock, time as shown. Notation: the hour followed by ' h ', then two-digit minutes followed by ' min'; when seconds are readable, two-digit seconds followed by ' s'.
3 h 53 min 59 s
